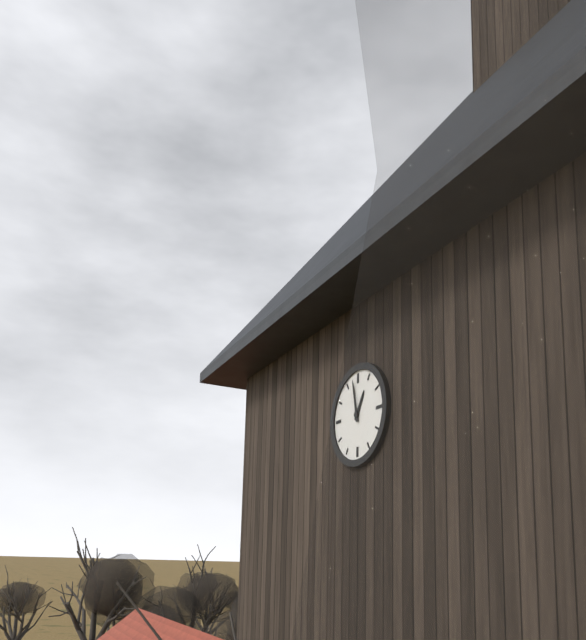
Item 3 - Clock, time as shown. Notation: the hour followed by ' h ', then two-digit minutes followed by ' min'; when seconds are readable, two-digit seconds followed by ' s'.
12 h 58 min
